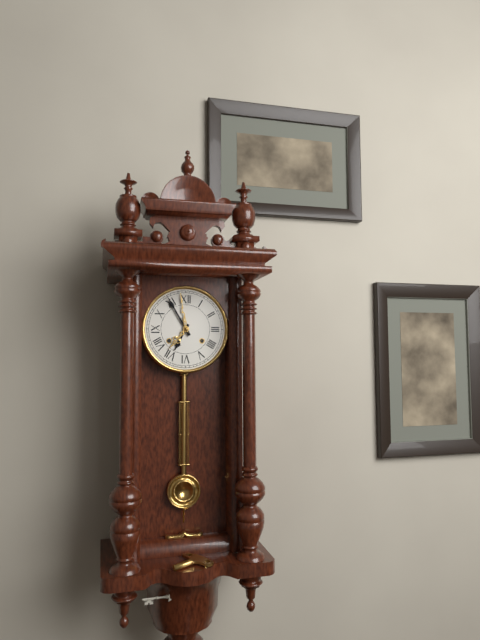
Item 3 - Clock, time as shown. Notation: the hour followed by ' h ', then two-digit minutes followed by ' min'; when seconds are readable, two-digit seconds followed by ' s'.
6 h 55 min
